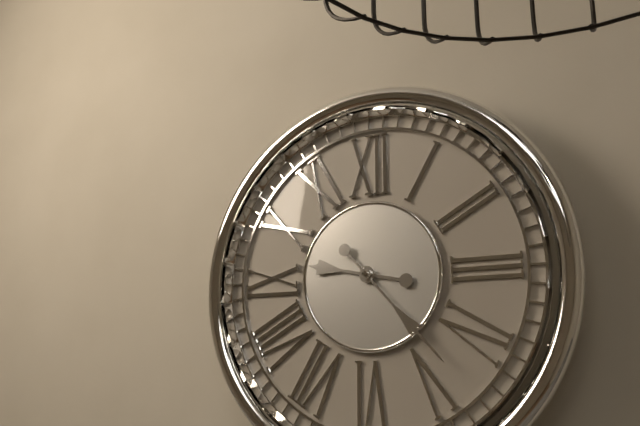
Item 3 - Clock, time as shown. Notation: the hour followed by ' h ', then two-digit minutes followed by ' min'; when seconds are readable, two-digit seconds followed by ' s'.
9 h 23 min
